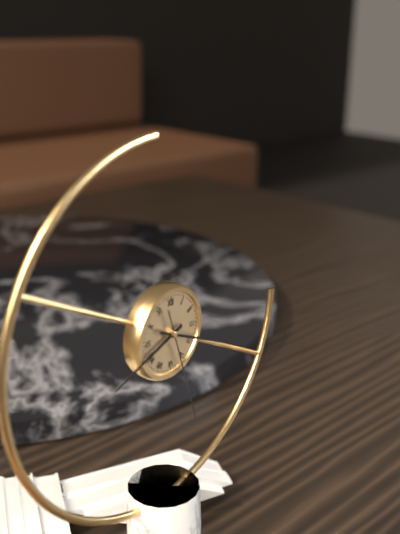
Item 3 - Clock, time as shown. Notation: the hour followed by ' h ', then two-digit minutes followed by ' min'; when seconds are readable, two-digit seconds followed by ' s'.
8 h 19 min 27 s
